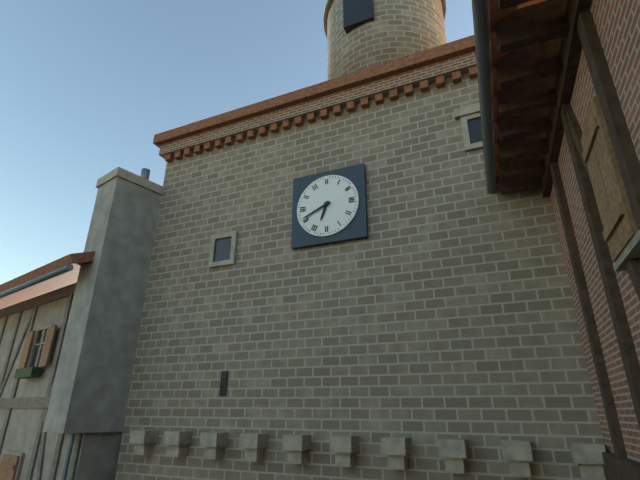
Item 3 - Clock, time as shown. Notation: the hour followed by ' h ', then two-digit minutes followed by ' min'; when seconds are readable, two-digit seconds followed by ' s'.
6 h 41 min
